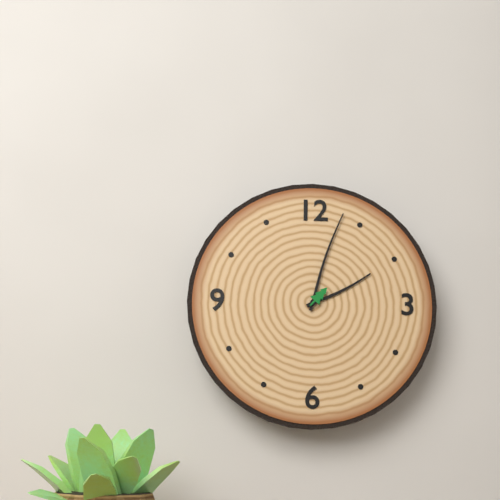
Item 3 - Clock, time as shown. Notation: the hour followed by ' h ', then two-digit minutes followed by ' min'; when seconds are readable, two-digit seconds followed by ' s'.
2 h 03 min
